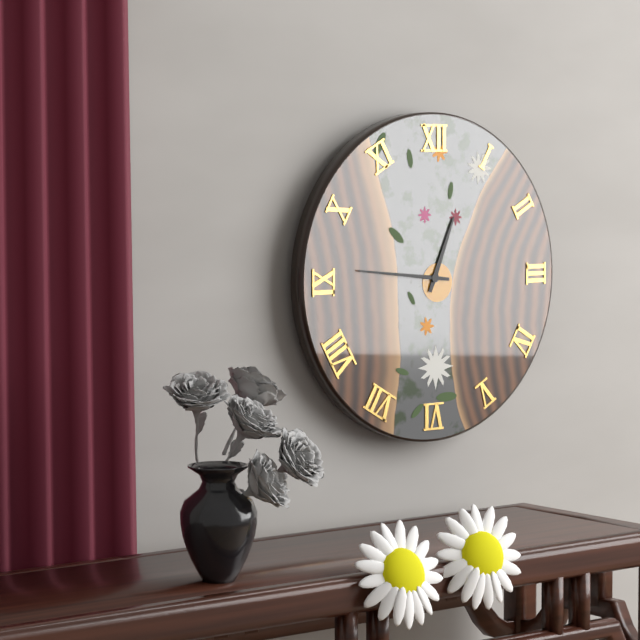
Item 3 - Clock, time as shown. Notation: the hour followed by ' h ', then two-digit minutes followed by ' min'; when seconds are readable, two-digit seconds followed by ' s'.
12 h 46 min
